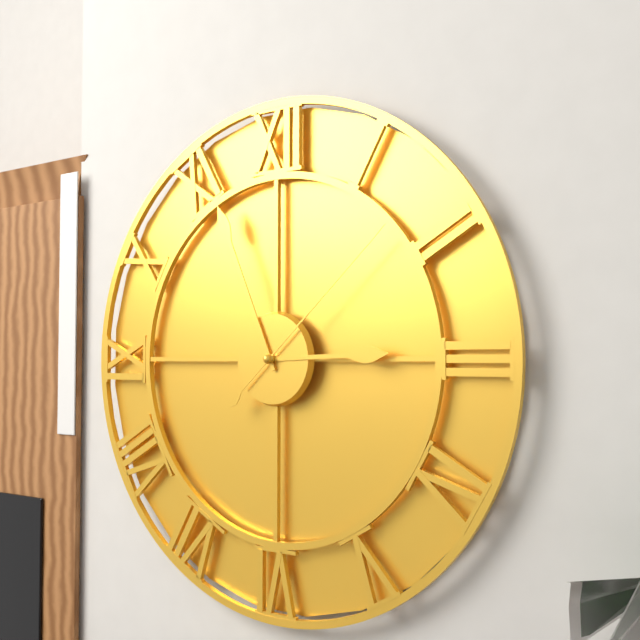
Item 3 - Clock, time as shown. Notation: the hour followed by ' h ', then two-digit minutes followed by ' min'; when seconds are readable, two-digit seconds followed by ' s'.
2 h 56 min 08 s
